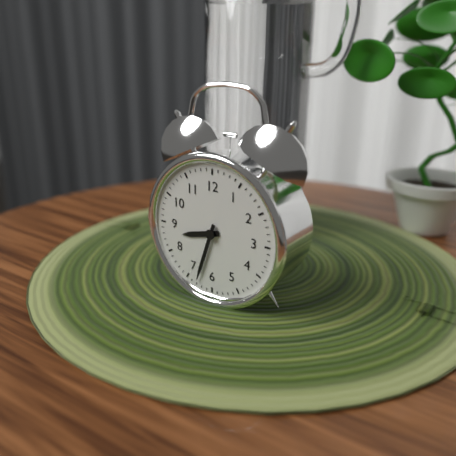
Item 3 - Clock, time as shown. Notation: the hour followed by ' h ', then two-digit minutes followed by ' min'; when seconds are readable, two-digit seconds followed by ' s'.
8 h 33 min
